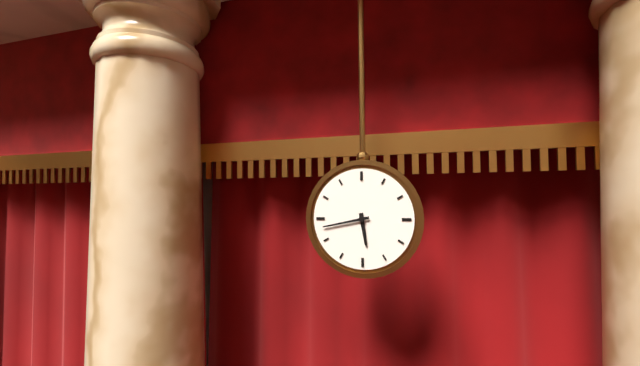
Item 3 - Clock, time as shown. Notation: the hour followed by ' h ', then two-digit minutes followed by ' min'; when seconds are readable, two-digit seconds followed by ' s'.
5 h 43 min
